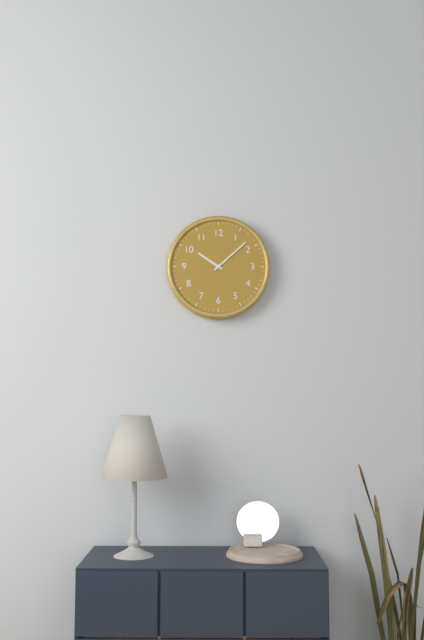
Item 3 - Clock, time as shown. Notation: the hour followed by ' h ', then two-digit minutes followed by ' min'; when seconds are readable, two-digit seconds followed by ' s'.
10 h 08 min
